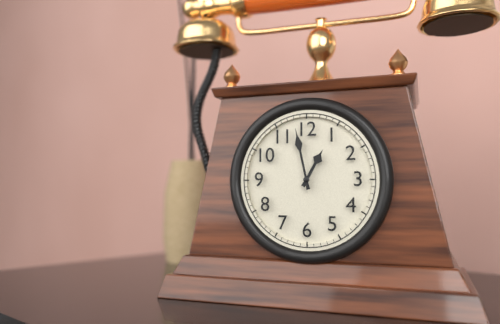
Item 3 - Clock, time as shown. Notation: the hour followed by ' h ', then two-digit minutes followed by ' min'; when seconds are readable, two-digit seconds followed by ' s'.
12 h 58 min
